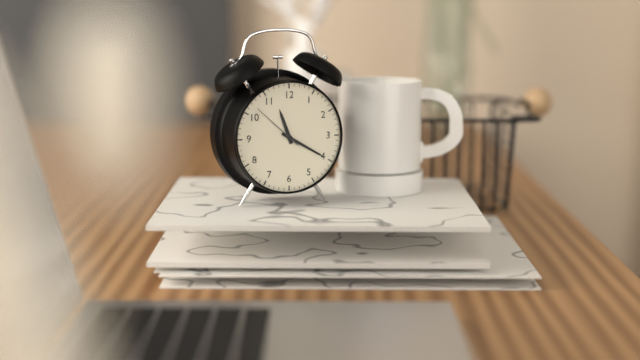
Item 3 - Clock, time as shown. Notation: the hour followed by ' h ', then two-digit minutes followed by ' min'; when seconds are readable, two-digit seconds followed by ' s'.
11 h 20 min
